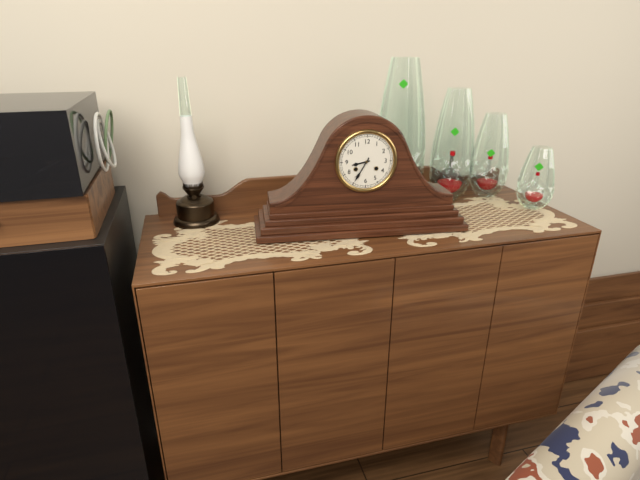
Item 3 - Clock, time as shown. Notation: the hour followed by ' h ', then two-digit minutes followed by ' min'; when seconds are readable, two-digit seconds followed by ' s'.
8 h 35 min
